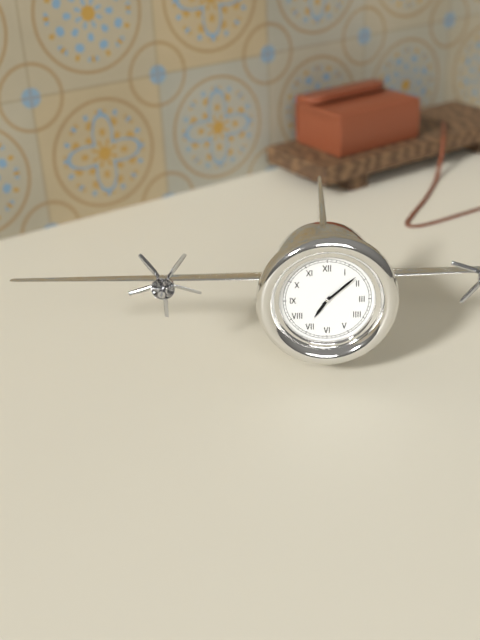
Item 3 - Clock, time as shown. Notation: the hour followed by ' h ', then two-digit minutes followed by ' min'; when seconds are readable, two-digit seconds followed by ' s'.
7 h 08 min
